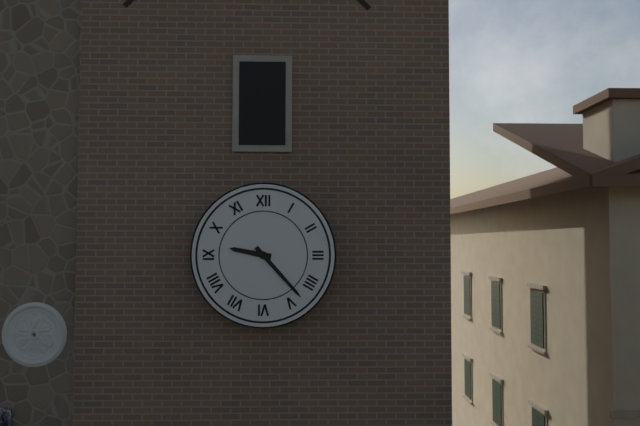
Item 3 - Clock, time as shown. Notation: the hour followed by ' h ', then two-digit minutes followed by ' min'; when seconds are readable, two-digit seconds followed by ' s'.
9 h 23 min
